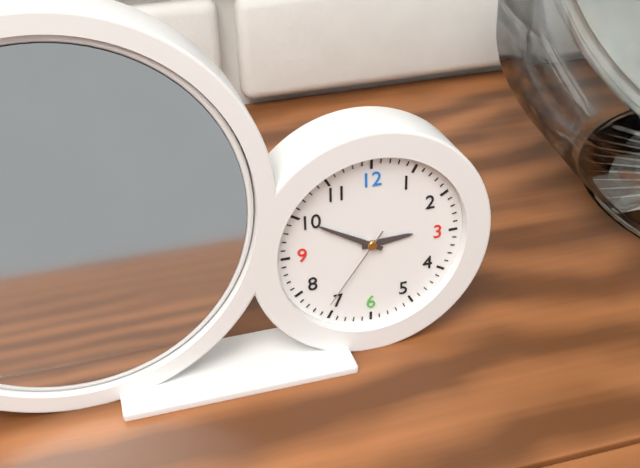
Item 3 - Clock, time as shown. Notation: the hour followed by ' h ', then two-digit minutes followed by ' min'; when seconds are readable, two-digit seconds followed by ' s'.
2 h 50 min 36 s
